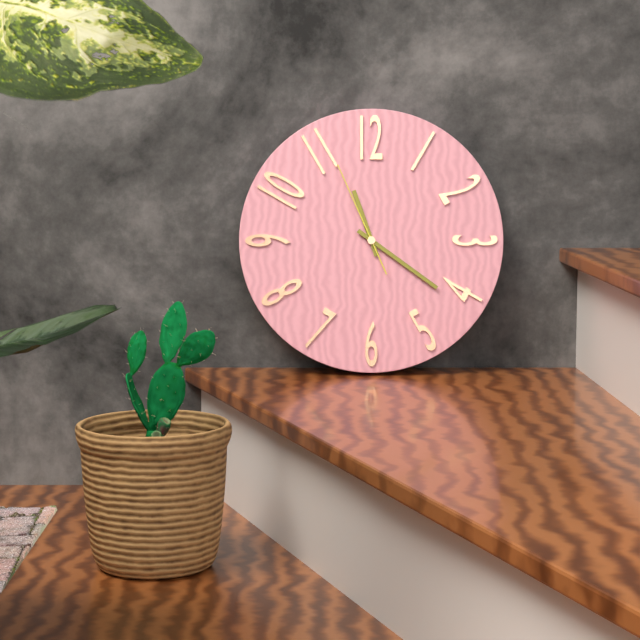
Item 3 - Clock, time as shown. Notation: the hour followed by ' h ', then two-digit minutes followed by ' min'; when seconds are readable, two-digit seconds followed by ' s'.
11 h 21 min 56 s
